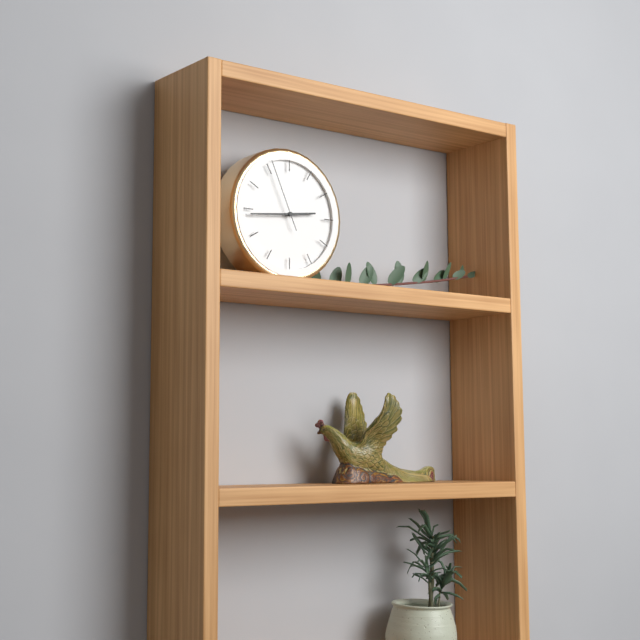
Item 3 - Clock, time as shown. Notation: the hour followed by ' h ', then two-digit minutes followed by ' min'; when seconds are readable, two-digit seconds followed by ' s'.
2 h 44 min 56 s
